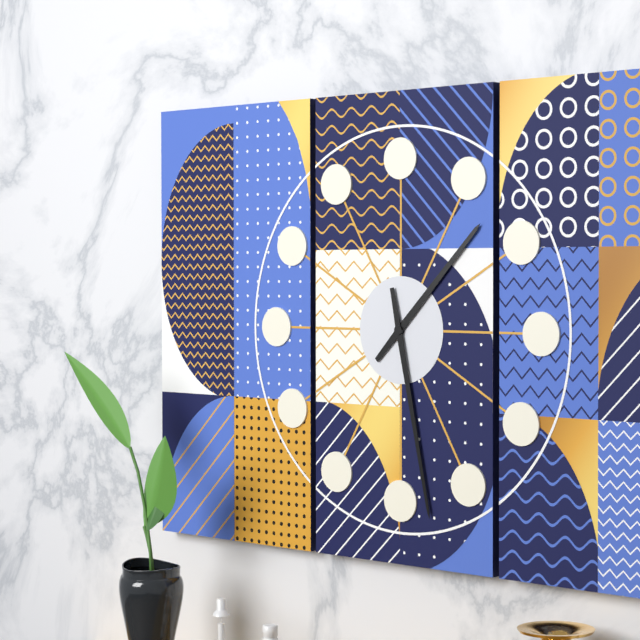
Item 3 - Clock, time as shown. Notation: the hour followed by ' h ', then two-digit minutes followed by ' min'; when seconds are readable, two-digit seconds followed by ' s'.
1 h 28 min
